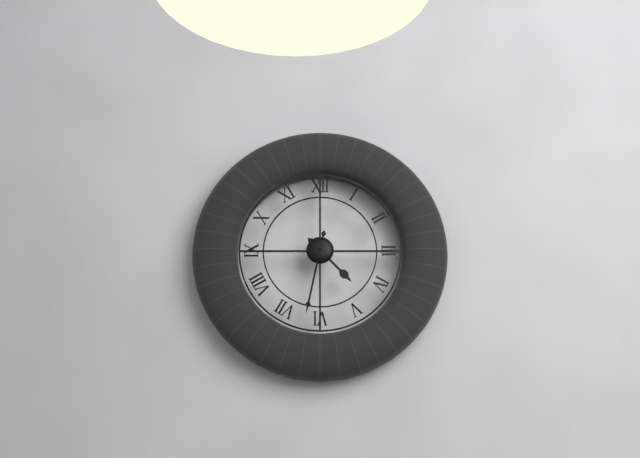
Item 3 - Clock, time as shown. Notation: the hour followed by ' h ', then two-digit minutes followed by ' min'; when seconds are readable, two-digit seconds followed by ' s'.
4 h 32 min
